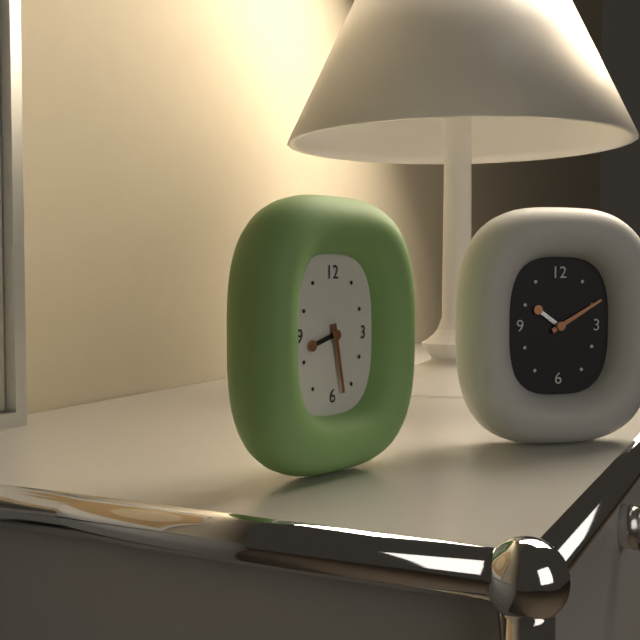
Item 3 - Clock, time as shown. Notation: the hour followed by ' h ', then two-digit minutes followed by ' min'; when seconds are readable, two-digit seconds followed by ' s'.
8 h 28 min
